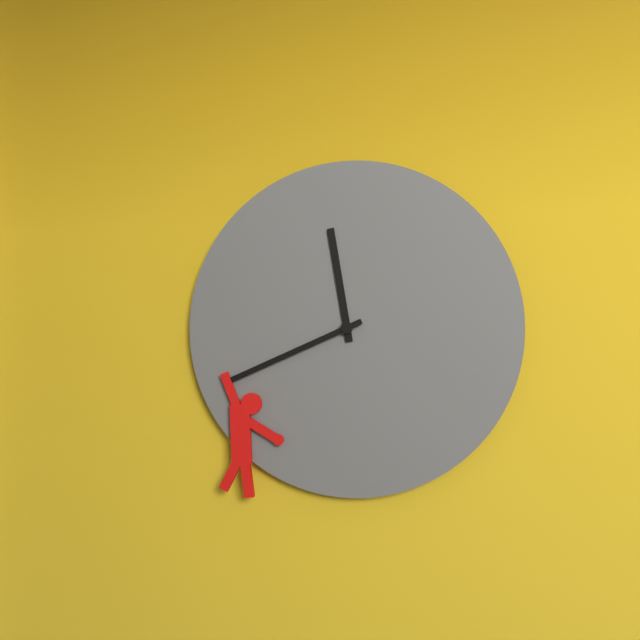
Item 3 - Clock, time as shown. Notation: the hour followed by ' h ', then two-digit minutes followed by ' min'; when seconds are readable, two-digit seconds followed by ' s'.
11 h 41 min
